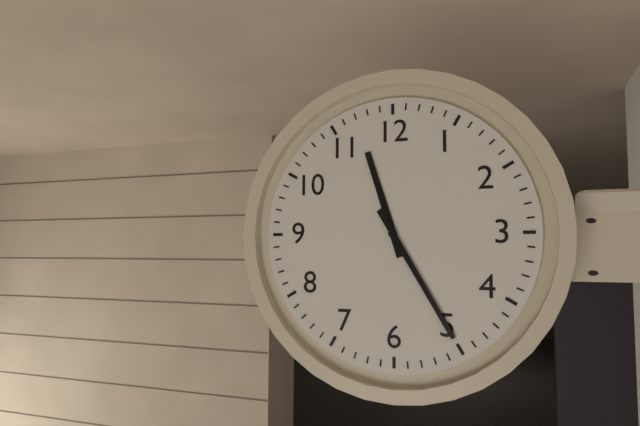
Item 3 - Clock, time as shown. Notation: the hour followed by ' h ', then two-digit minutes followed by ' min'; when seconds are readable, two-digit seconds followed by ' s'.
11 h 25 min
